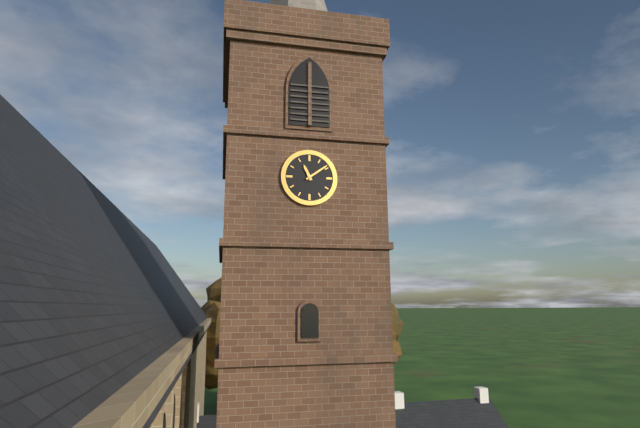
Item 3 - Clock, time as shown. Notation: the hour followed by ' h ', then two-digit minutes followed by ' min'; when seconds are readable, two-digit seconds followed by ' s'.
11 h 09 min
